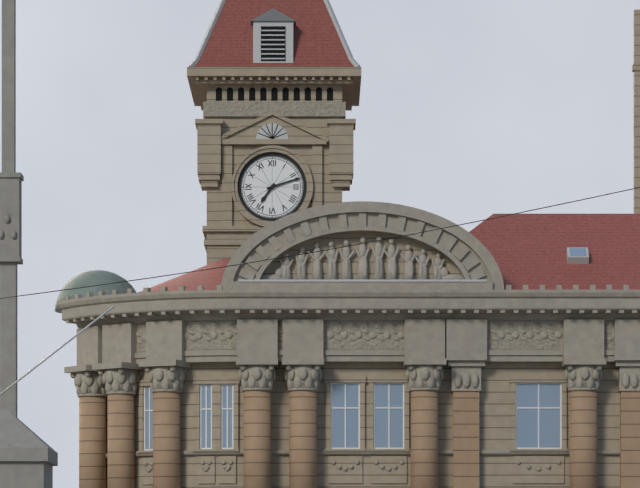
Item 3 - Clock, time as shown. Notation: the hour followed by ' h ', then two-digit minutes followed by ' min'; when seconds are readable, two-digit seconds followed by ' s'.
7 h 12 min
